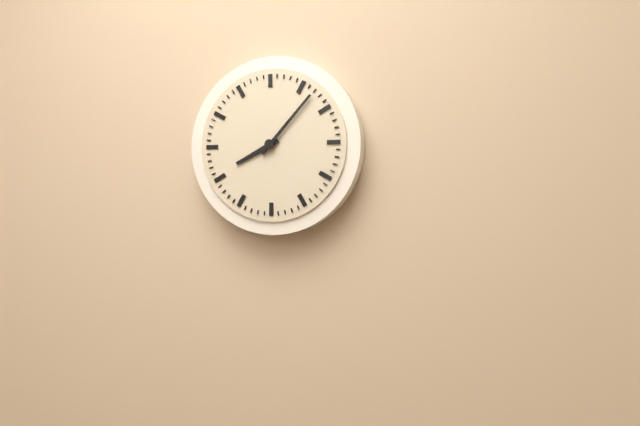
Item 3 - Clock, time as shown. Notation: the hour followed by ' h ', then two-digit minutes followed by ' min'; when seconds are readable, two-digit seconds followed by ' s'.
8 h 07 min
